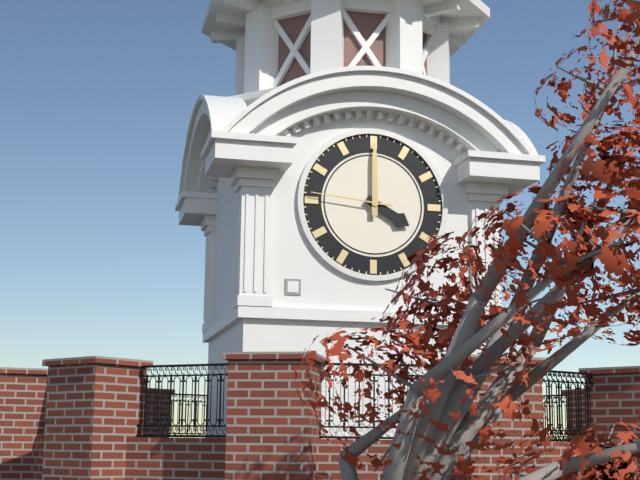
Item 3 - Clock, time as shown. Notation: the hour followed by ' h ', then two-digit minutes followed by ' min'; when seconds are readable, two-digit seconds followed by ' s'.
4 h 00 min 46 s
